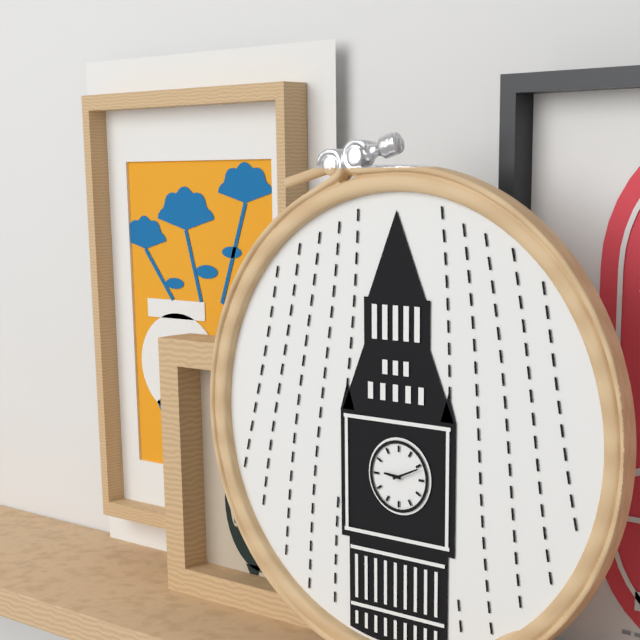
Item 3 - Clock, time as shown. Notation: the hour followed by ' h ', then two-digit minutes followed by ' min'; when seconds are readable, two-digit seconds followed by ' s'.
9 h 11 min
